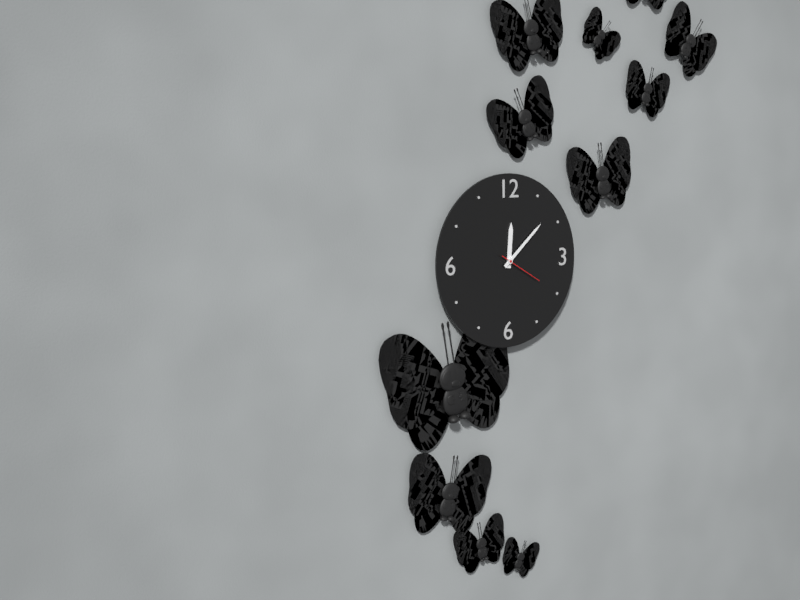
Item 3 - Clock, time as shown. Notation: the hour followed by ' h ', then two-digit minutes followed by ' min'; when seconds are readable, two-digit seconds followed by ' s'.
12 h 08 min 20 s
